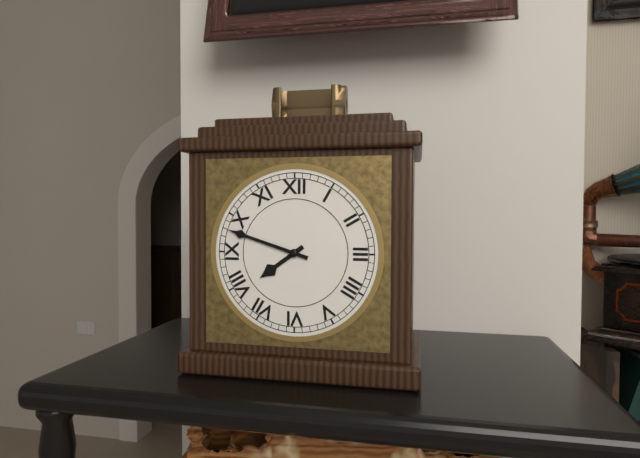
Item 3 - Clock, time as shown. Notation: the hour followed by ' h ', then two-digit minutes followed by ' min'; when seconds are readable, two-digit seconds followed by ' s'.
7 h 48 min
